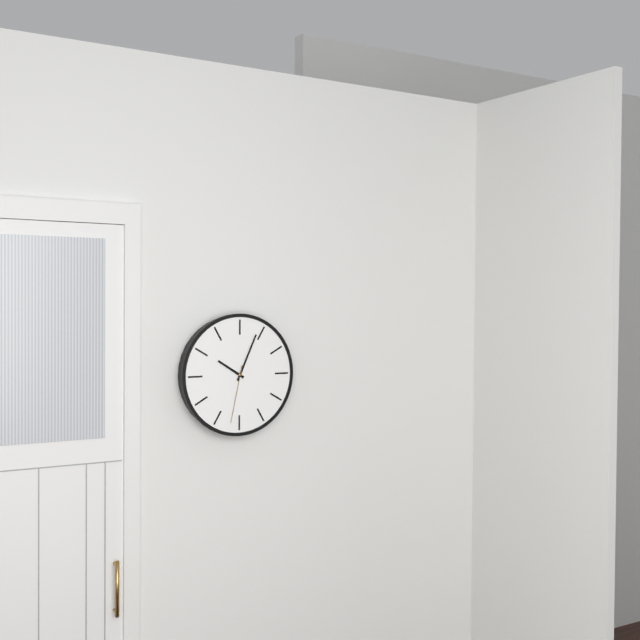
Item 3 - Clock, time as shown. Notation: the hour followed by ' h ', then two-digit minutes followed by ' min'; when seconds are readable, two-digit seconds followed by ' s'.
10 h 04 min 32 s
